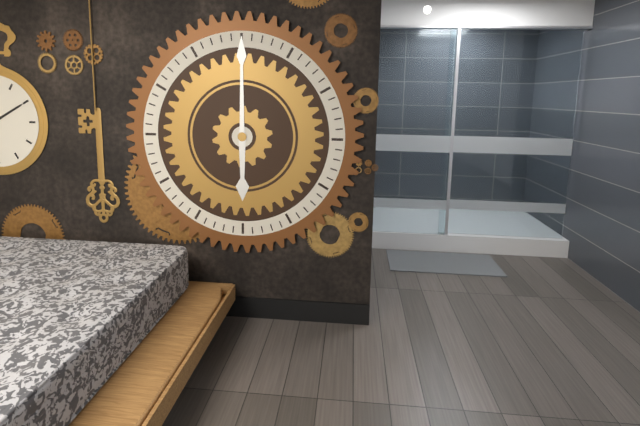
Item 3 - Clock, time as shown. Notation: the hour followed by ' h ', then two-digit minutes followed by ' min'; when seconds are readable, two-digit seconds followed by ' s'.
6 h 00 min
